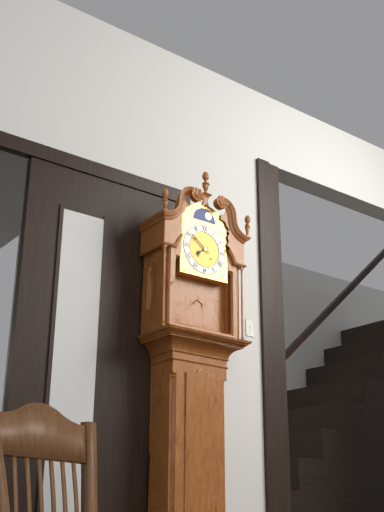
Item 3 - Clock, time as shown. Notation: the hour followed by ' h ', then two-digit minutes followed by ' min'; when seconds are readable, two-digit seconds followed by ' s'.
7 h 51 min
